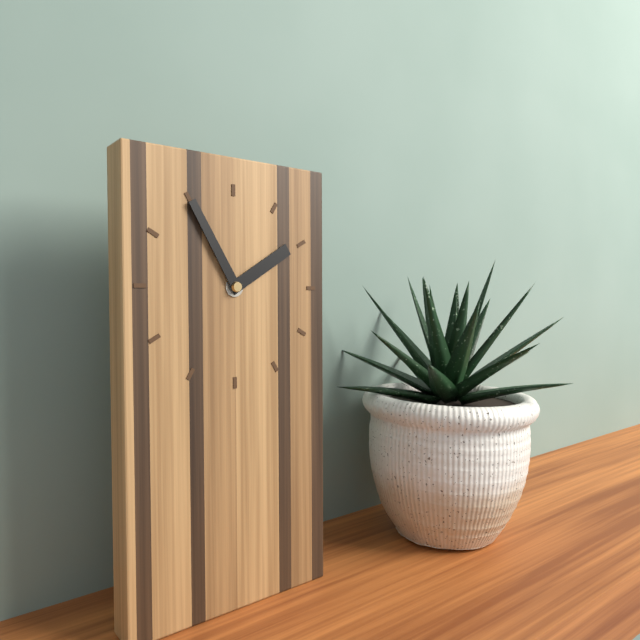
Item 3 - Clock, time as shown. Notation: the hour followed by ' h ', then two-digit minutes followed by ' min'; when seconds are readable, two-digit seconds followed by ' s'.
1 h 55 min
